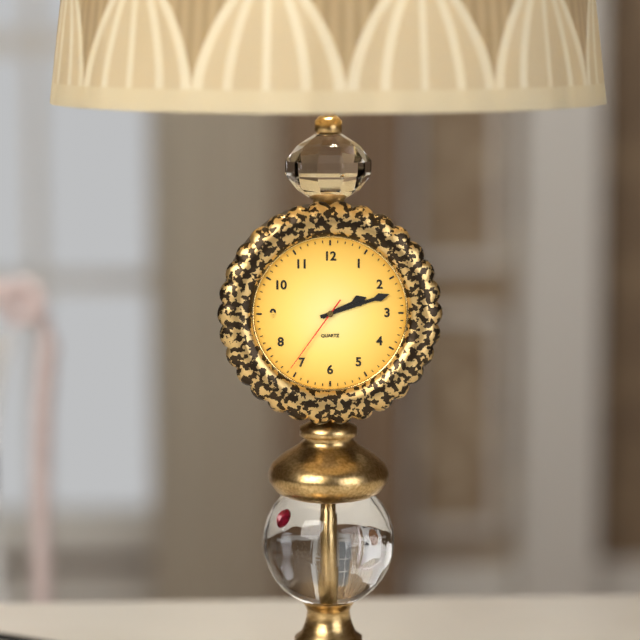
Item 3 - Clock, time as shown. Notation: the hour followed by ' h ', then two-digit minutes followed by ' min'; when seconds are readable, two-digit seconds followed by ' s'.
2 h 12 min 36 s
